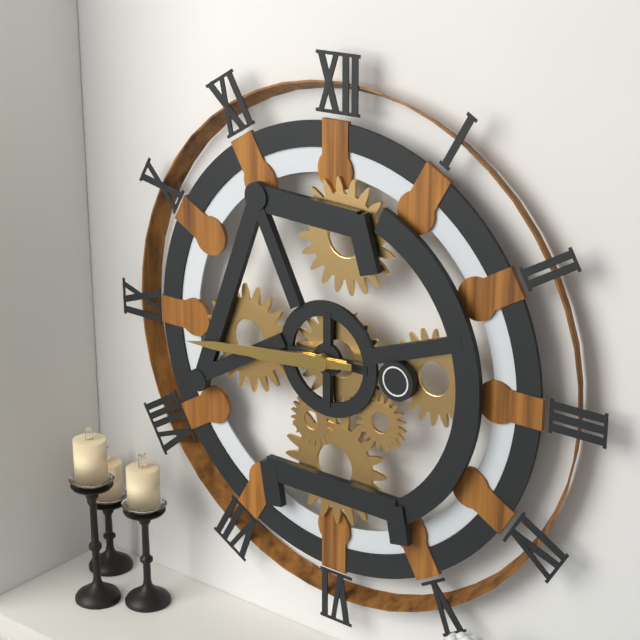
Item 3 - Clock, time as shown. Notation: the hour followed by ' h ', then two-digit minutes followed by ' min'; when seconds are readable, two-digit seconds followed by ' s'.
8 h 44 min
